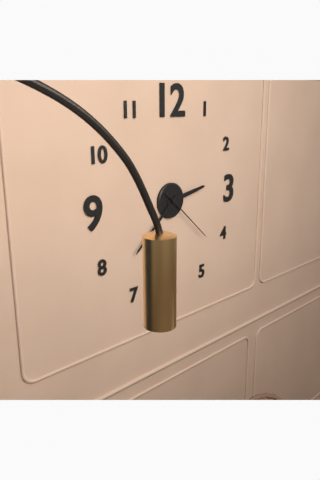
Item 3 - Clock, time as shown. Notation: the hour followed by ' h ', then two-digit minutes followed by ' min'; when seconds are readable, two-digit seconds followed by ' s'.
2 h 38 min 22 s
